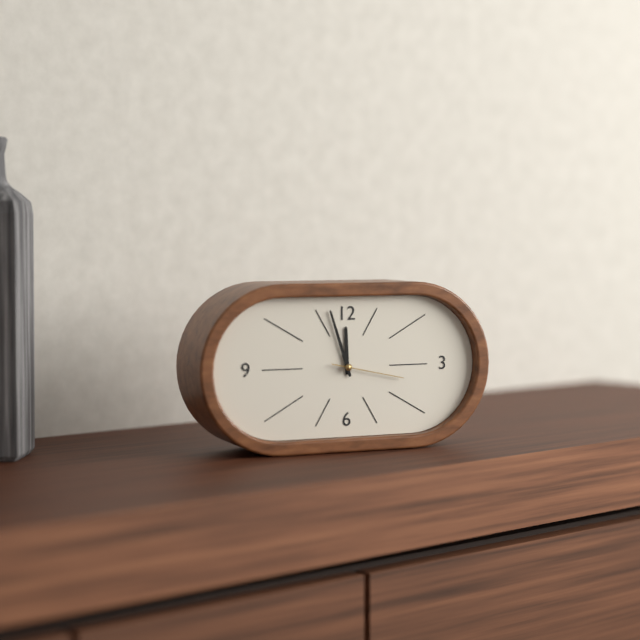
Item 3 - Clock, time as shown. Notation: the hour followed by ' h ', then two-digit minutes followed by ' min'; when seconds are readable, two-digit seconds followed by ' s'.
11 h 57 min 17 s
